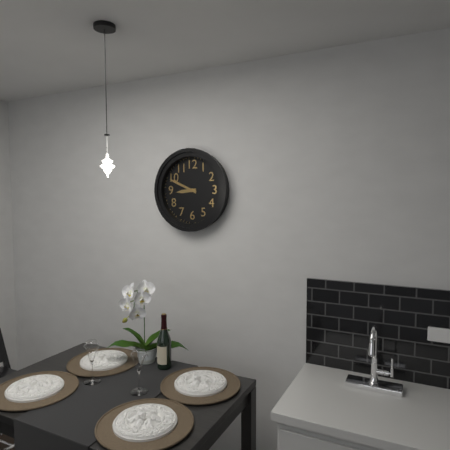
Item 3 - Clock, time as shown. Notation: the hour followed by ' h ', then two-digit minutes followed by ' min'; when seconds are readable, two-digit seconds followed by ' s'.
8 h 49 min
